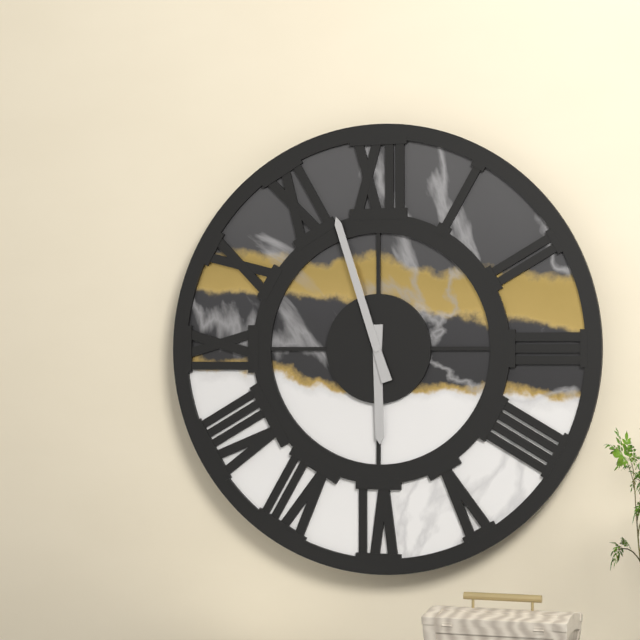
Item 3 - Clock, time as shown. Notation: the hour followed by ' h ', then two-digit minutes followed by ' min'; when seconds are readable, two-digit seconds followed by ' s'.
5 h 57 min
